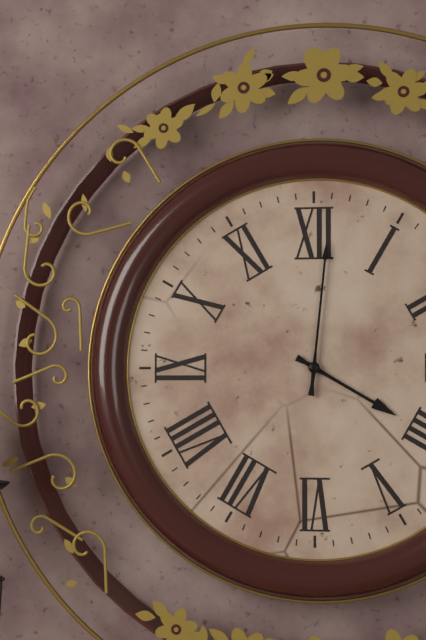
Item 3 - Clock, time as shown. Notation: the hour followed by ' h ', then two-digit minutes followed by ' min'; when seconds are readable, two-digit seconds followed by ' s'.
4 h 01 min
